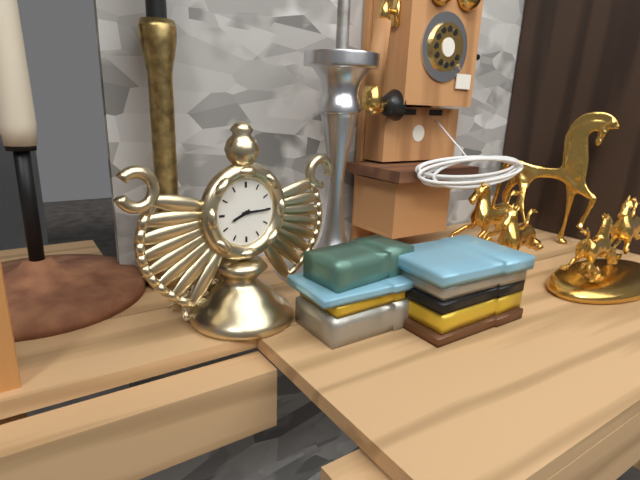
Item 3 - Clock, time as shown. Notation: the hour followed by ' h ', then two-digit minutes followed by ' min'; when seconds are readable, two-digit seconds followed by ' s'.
8 h 15 min
